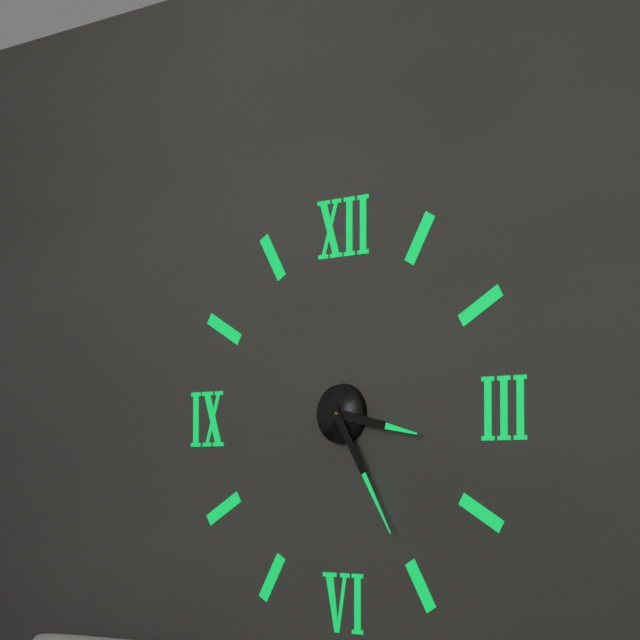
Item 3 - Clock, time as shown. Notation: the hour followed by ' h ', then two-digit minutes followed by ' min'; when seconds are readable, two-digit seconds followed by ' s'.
3 h 25 min
